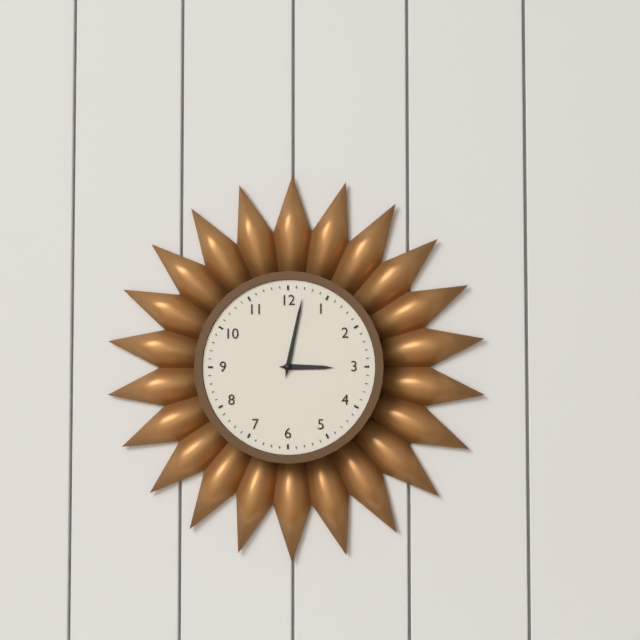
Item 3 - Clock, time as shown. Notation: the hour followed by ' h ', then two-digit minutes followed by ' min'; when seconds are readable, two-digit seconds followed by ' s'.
3 h 02 min
